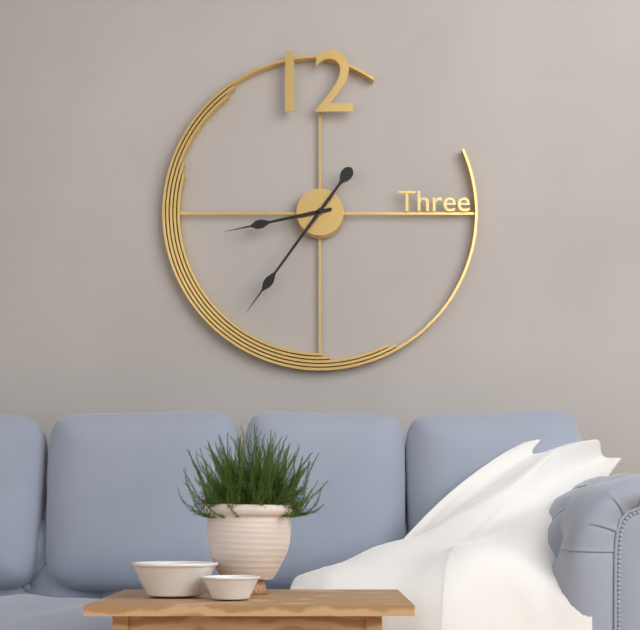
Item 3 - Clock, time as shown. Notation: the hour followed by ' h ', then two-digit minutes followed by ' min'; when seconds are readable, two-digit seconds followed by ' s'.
8 h 36 min
